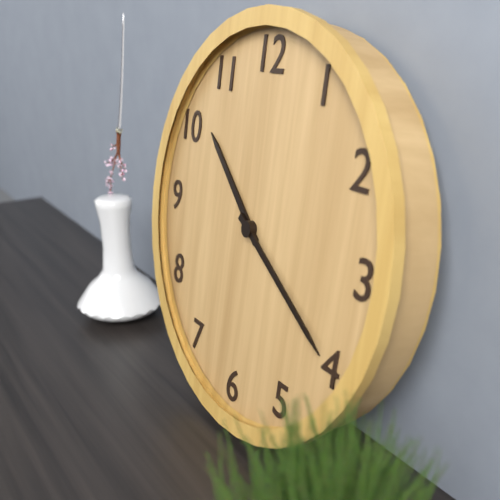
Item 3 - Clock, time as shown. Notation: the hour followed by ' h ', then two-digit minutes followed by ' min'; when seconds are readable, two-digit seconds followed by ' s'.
10 h 20 min
